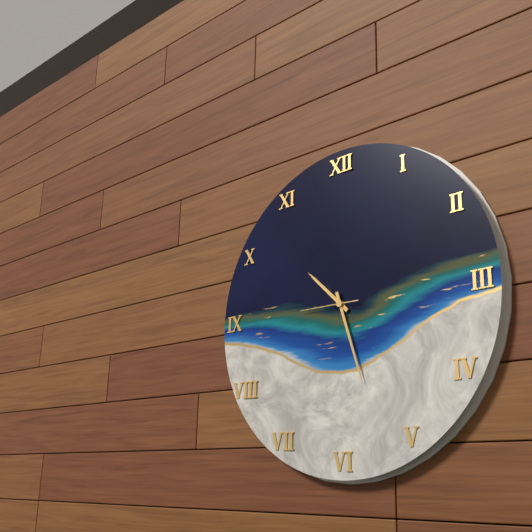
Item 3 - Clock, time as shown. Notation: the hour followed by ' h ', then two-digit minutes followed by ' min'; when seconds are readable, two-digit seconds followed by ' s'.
10 h 27 min 45 s
